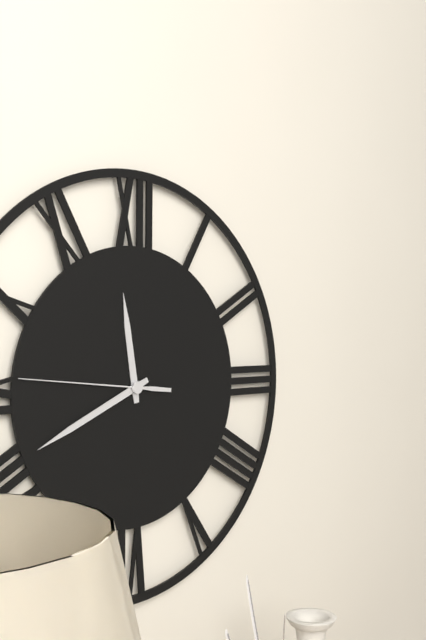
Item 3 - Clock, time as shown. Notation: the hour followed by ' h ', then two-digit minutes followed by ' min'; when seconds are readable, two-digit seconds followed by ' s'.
11 h 41 min 46 s
